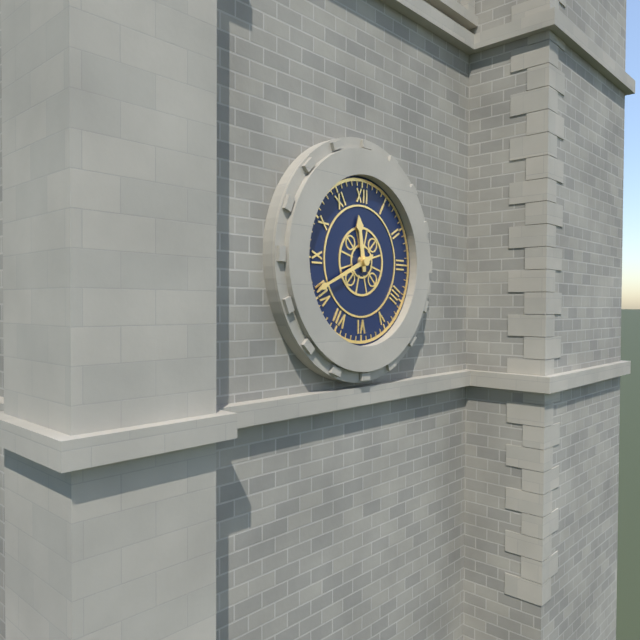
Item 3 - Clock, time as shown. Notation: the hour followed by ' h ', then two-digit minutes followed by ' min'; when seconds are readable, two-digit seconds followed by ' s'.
11 h 41 min
